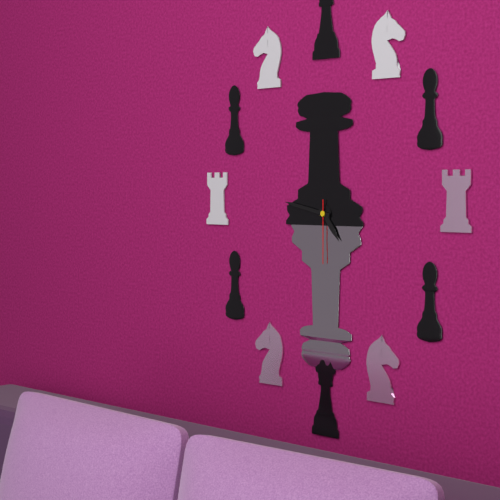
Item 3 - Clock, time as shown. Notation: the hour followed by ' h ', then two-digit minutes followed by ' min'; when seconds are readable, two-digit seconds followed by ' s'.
4 h 47 min 30 s
